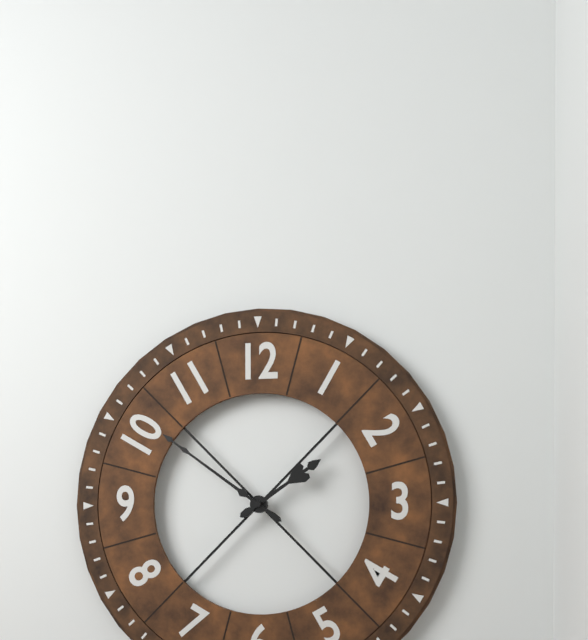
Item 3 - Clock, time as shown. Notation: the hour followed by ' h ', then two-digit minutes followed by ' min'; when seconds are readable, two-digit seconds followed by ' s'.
1 h 51 min
